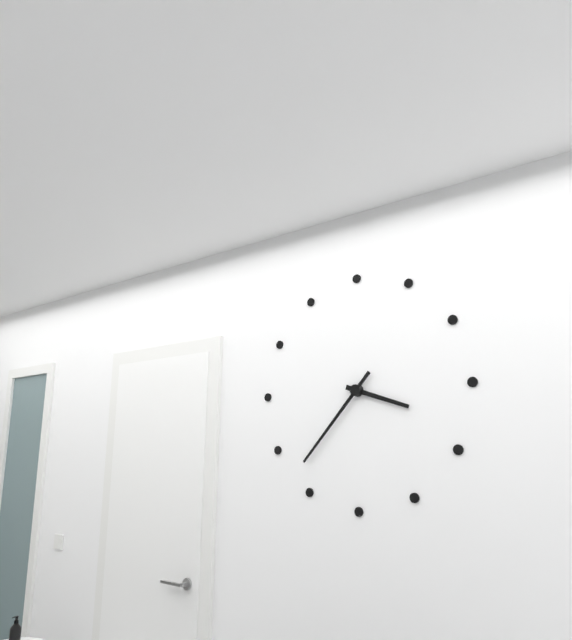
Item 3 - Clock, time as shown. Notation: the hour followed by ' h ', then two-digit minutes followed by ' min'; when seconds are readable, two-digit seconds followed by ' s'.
3 h 37 min
